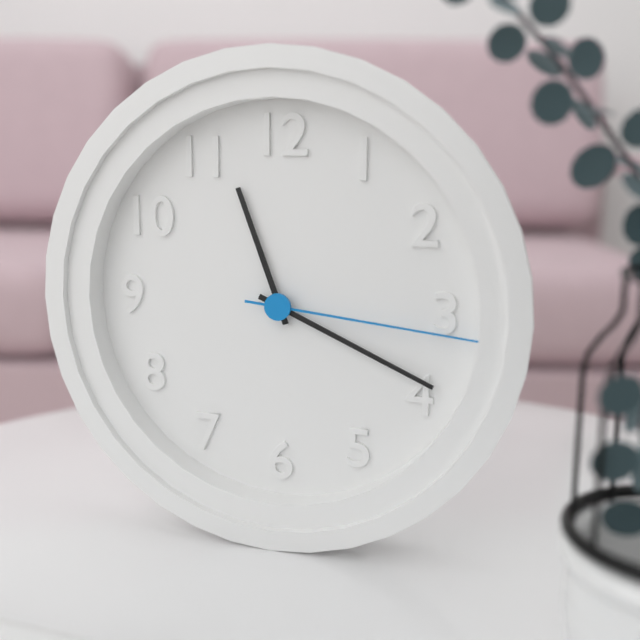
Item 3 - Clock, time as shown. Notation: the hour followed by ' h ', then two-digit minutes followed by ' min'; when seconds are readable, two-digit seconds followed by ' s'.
11 h 19 min 16 s
